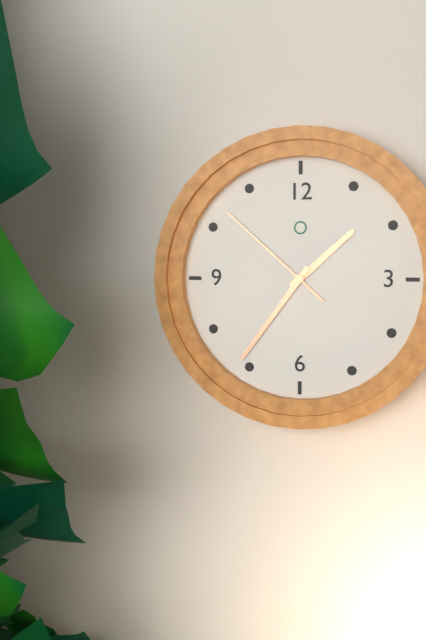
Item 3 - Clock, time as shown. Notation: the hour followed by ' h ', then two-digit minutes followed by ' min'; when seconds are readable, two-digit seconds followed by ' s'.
1 h 36 min 52 s
